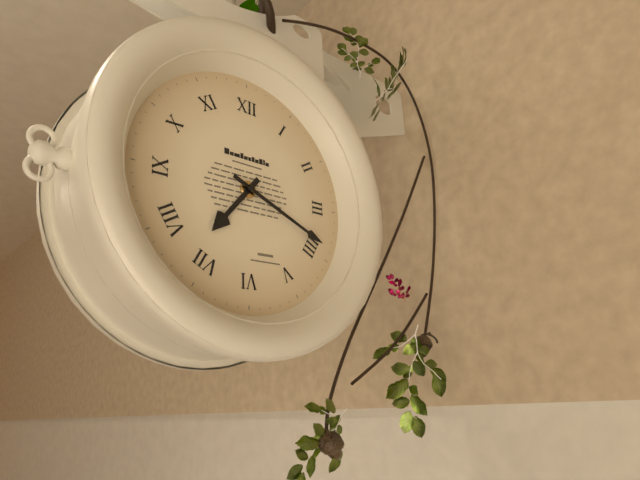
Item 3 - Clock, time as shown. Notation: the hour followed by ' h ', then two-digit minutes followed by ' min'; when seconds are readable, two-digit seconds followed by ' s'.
7 h 19 min
